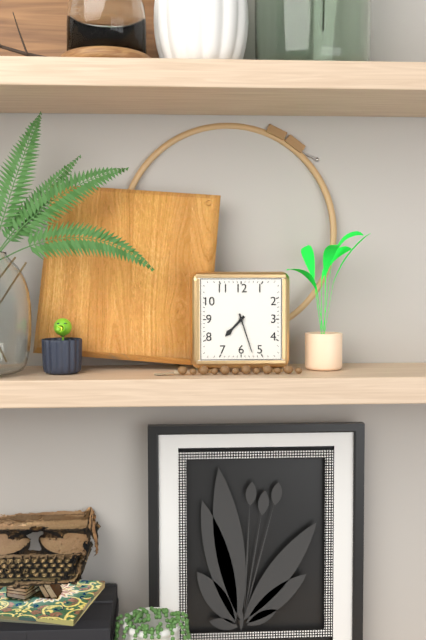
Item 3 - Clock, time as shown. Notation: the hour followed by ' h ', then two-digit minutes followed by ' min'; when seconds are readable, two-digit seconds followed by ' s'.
7 h 27 min
